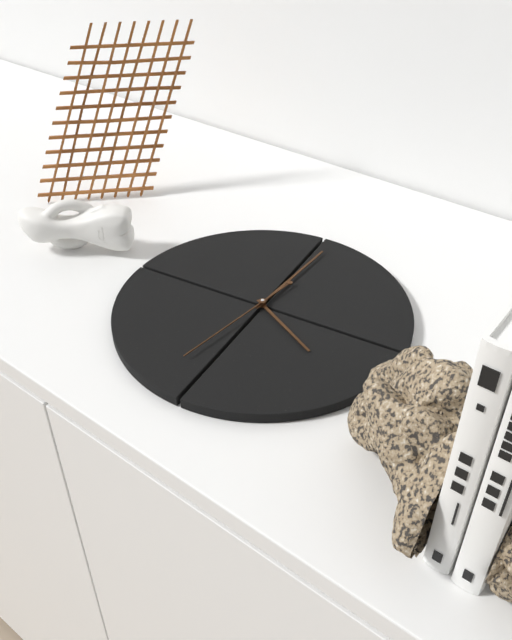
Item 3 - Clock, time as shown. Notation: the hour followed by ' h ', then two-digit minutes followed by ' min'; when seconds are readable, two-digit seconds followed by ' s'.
4 h 01 min 32 s
